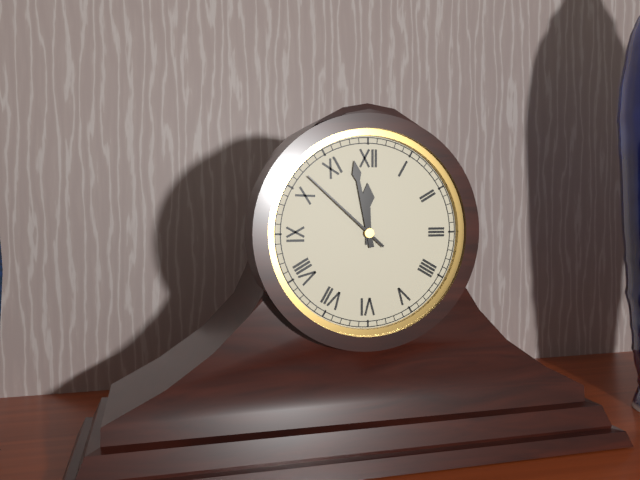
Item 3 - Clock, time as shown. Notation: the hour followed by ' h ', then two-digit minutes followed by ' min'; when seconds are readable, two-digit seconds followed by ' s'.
11 h 58 min 52 s
